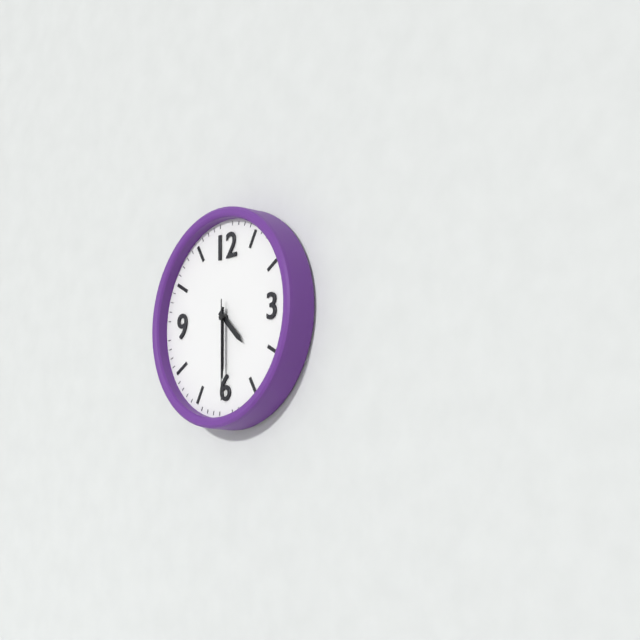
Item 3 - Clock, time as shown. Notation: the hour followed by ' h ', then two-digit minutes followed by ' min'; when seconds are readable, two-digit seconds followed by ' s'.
4 h 30 min 30 s
